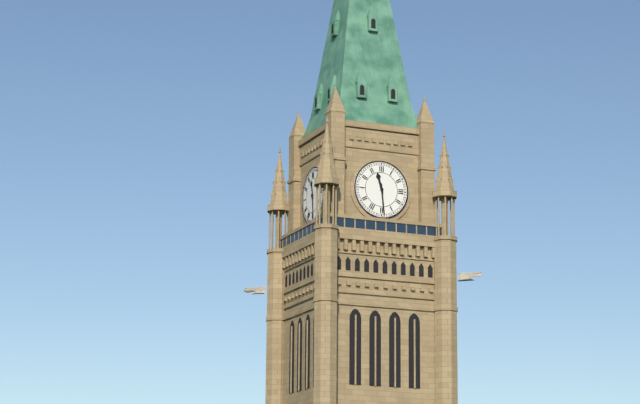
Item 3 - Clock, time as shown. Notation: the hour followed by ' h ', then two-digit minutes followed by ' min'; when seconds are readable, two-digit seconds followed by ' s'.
11 h 29 min
